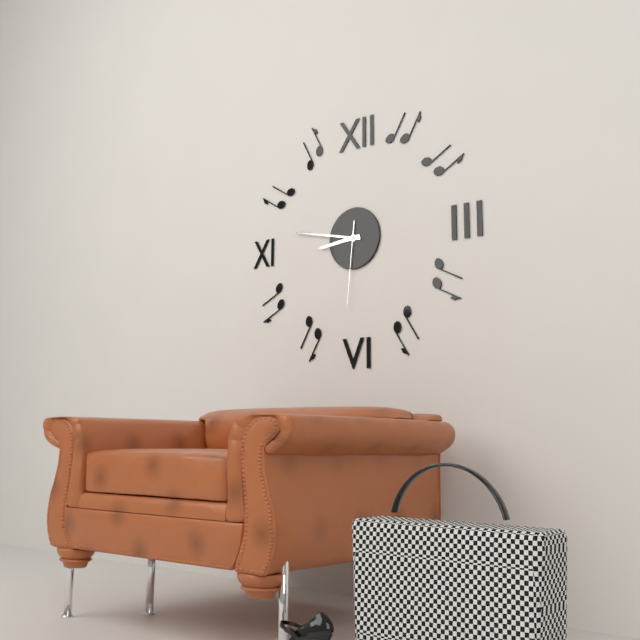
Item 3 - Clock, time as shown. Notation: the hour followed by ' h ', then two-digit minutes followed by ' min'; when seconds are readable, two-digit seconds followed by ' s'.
8 h 47 min 31 s
